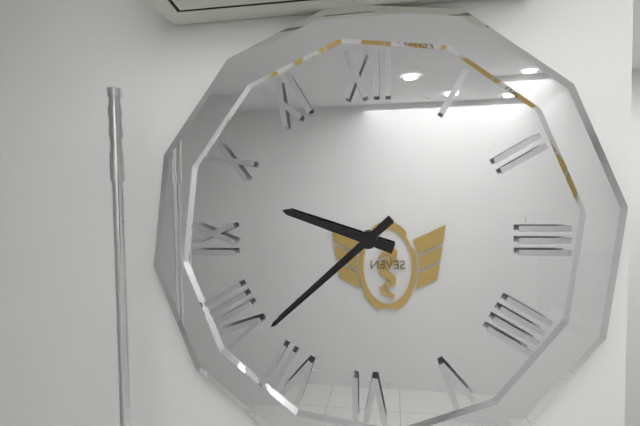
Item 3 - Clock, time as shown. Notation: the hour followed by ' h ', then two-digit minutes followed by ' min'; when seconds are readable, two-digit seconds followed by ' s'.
9 h 38 min
